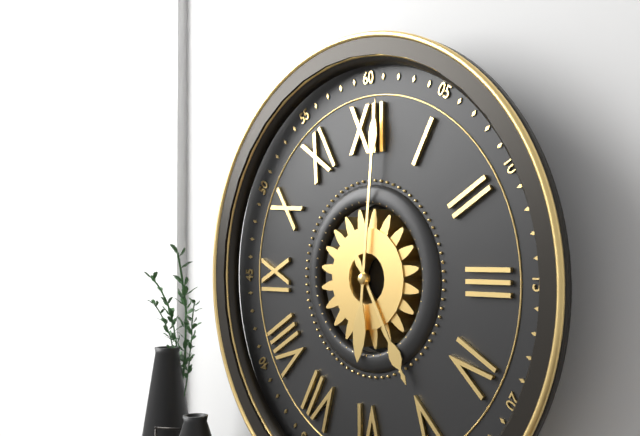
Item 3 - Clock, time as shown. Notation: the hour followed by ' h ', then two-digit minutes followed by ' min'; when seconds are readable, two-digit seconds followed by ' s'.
5 h 01 min
